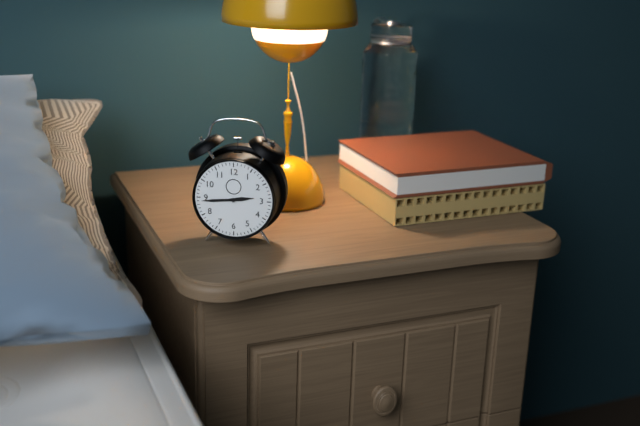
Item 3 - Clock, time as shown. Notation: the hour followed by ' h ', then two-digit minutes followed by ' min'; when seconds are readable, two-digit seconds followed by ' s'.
2 h 44 min
